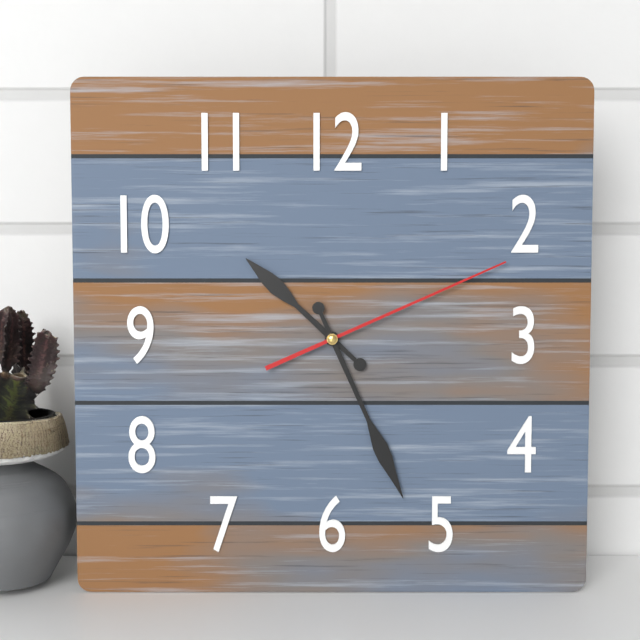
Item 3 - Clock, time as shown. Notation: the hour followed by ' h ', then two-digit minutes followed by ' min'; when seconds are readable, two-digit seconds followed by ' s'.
10 h 26 min 11 s
